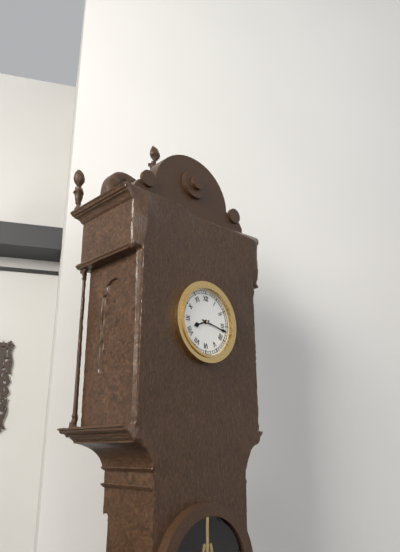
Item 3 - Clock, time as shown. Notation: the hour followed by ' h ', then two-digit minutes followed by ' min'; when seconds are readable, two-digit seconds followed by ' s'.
8 h 17 min
